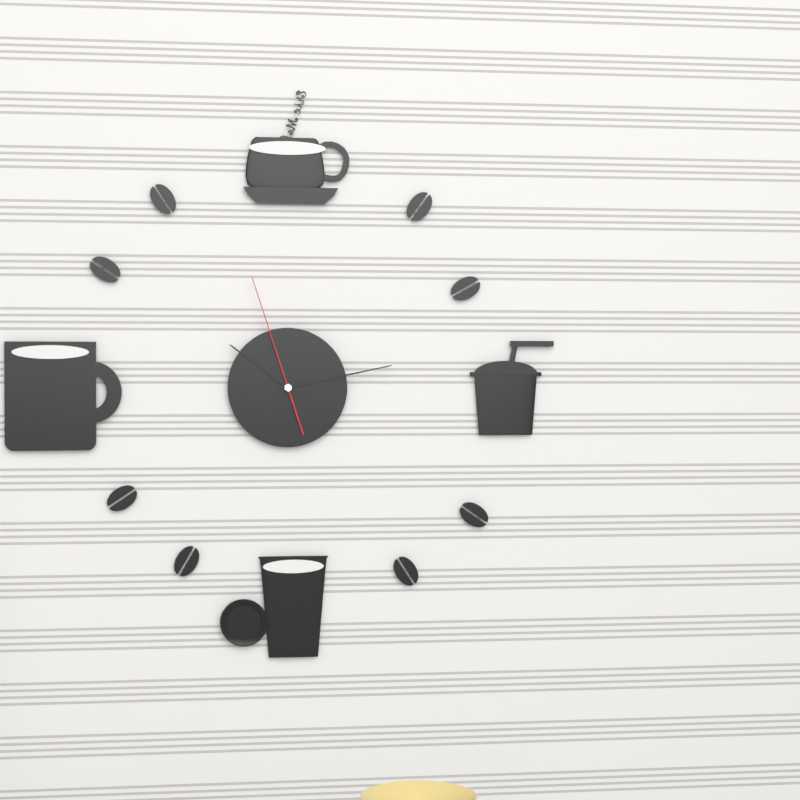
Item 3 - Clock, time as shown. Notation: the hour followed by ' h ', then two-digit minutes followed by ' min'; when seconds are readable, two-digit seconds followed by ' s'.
10 h 13 min 57 s
